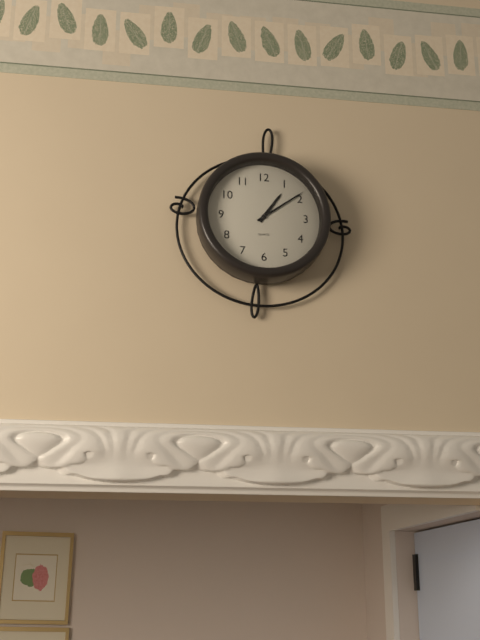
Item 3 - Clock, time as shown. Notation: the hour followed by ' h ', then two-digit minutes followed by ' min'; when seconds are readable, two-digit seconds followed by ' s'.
1 h 09 min
